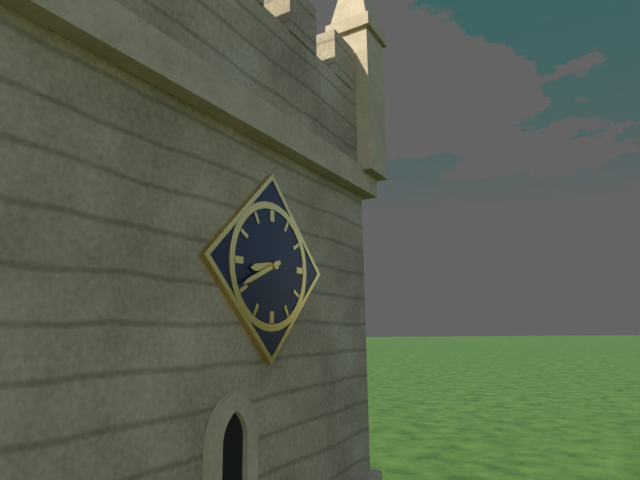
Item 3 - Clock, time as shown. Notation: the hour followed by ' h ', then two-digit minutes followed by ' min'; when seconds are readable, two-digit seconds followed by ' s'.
8 h 41 min
